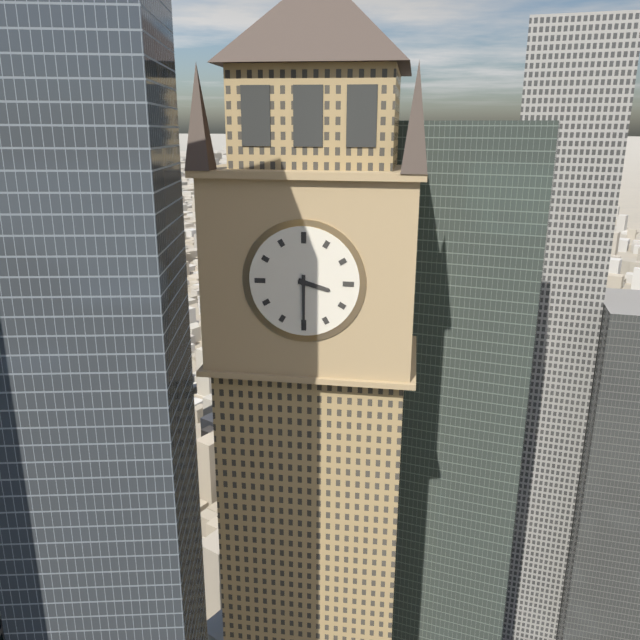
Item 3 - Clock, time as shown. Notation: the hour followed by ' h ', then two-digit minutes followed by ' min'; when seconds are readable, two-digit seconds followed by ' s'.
3 h 30 min
